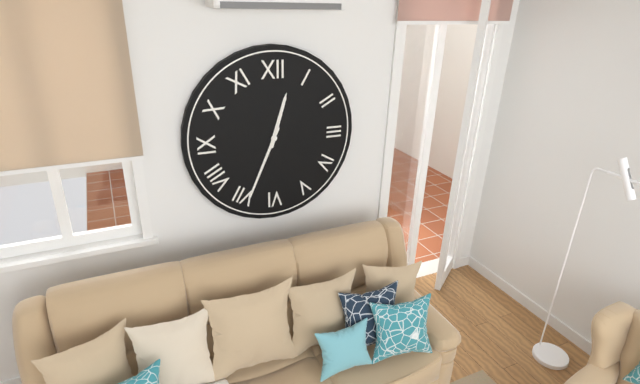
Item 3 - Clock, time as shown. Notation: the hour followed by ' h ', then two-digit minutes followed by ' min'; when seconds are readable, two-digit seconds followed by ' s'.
12 h 34 min
